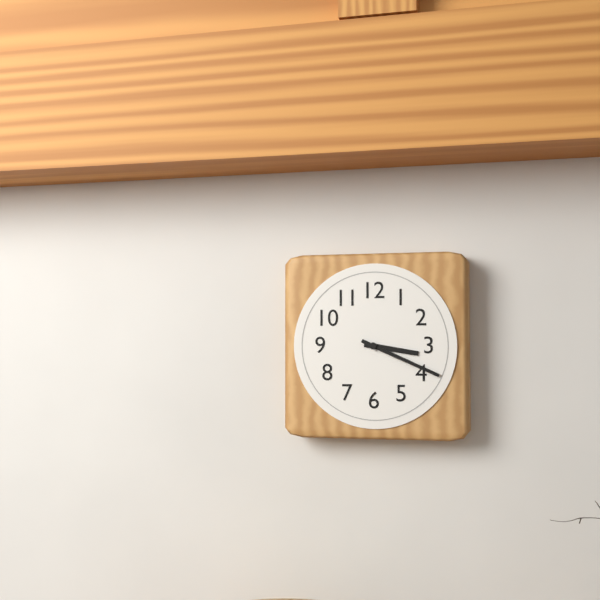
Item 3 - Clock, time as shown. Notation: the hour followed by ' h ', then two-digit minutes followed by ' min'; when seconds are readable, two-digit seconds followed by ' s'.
3 h 19 min
